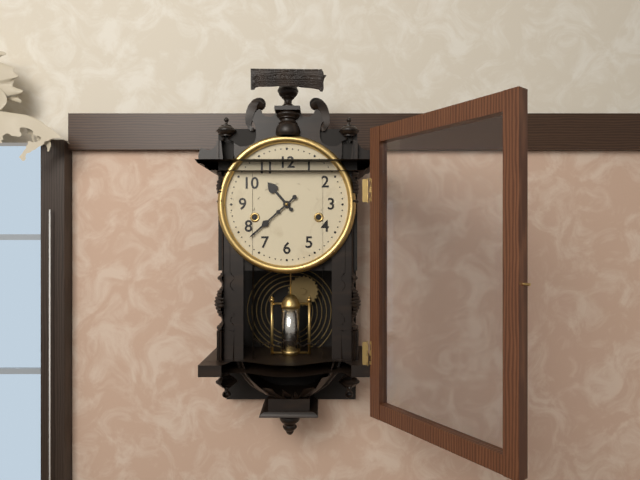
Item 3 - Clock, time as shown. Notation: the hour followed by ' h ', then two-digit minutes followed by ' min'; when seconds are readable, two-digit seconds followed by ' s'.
10 h 38 min
